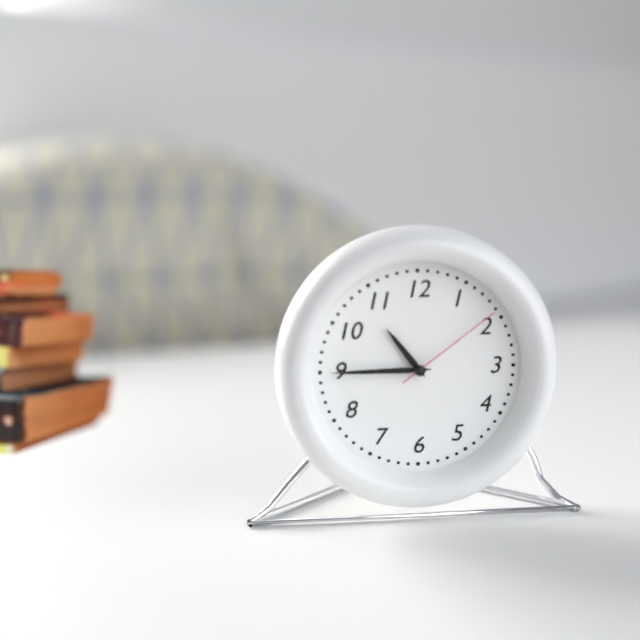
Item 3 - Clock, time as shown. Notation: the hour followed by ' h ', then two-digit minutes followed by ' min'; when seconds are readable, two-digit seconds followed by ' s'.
10 h 45 min 09 s
